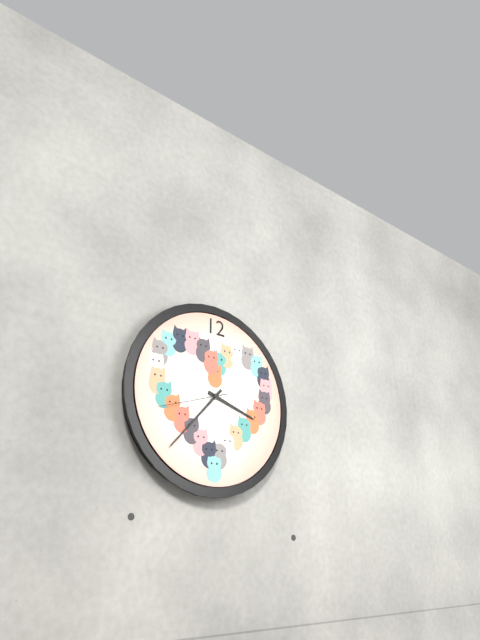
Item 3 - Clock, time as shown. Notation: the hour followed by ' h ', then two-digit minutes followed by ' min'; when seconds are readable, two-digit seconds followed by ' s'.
3 h 37 min 42 s
